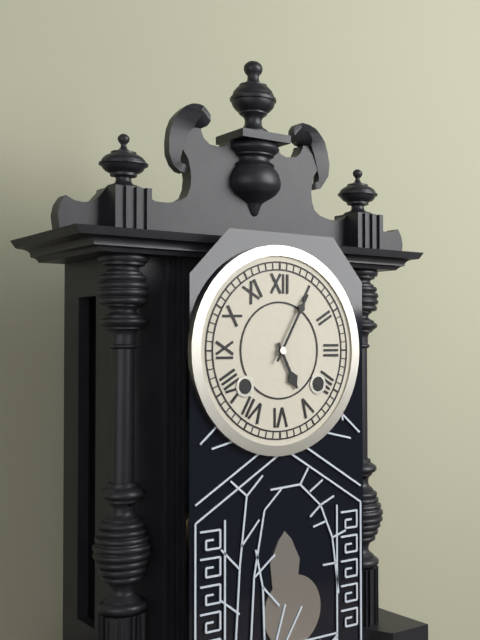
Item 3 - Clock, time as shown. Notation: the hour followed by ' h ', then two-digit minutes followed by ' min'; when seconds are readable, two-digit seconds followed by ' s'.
5 h 05 min
